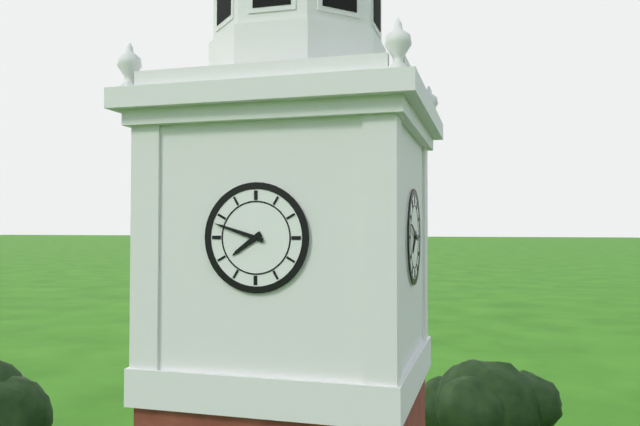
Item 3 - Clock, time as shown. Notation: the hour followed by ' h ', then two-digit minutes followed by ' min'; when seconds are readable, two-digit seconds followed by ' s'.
7 h 48 min
